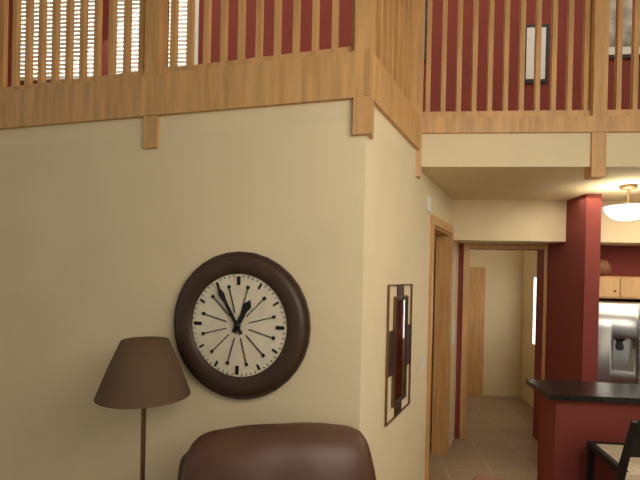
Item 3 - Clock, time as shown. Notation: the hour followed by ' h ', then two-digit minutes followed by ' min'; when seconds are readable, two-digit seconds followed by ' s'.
12 h 55 min
